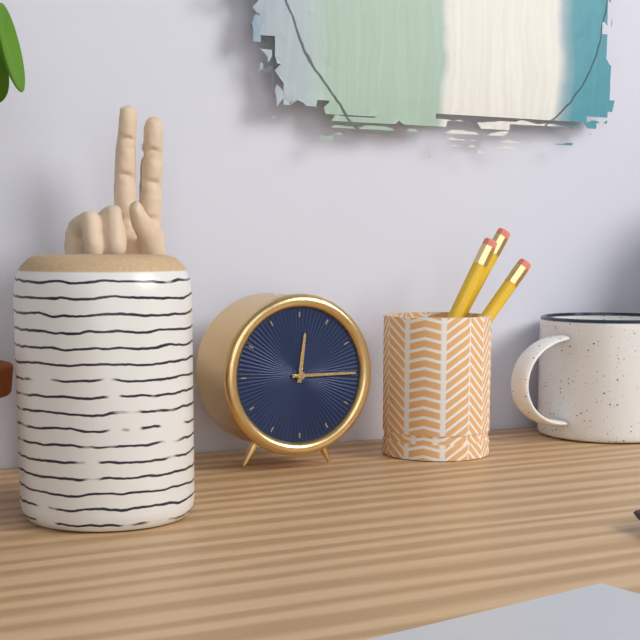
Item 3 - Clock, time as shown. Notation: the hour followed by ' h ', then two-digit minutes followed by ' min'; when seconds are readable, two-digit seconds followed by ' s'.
12 h 15 min
